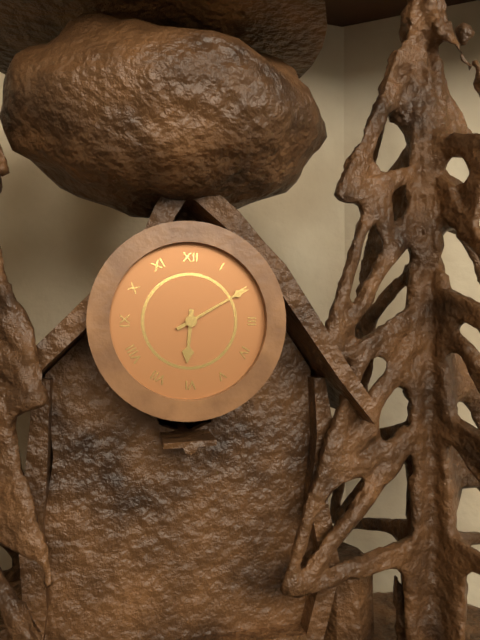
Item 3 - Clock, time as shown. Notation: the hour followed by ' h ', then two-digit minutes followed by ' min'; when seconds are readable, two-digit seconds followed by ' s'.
6 h 10 min
